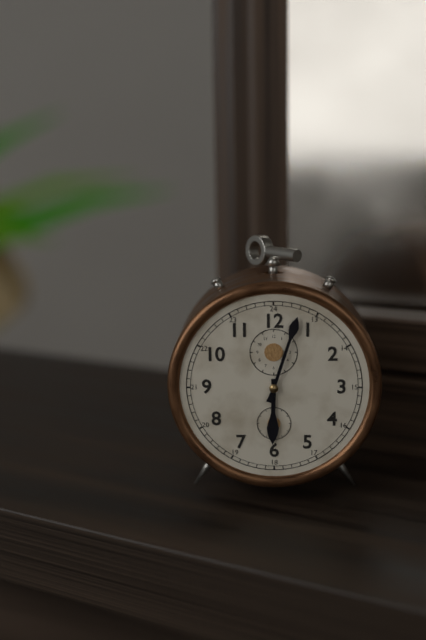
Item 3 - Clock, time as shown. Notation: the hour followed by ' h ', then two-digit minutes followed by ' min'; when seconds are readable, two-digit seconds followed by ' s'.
6 h 03 min
